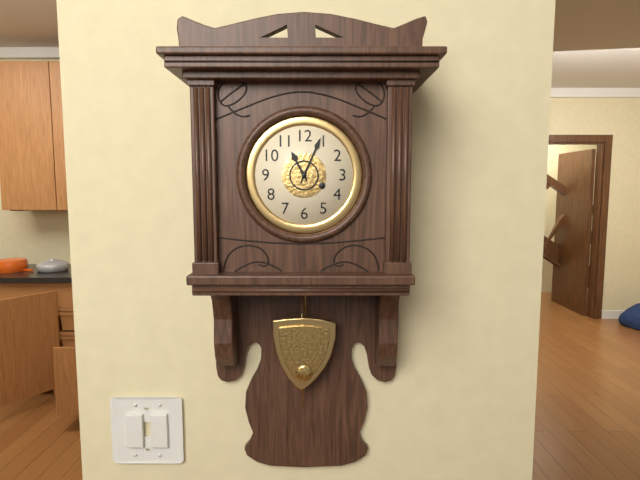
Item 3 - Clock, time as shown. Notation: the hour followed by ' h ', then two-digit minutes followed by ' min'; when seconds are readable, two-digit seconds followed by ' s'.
11 h 04 min
